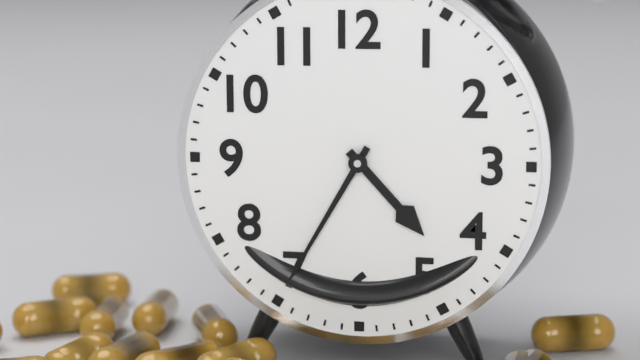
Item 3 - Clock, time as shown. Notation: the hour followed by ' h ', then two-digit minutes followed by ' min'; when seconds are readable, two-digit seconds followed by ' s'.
4 h 35 min
